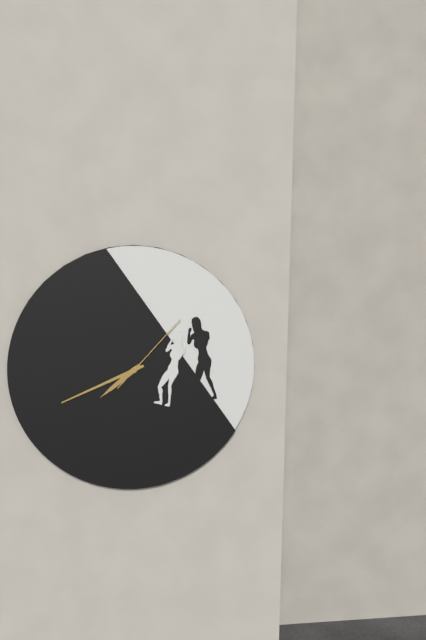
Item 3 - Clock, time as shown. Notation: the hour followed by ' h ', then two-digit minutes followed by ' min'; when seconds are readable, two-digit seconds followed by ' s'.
7 h 41 min 07 s
